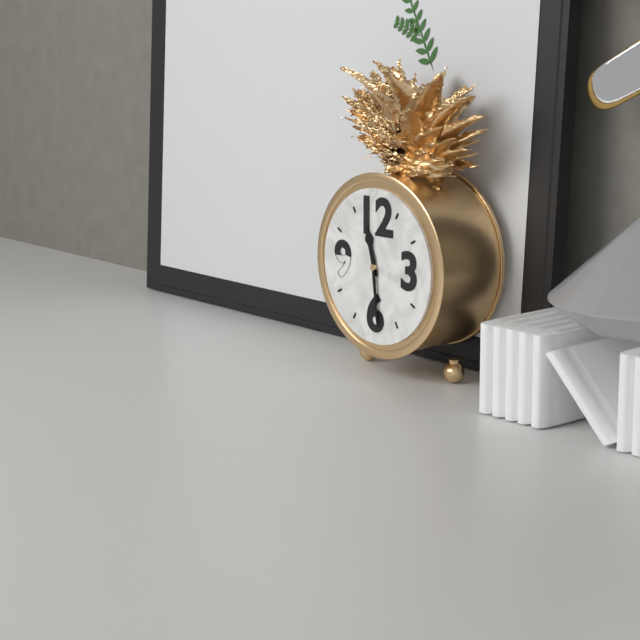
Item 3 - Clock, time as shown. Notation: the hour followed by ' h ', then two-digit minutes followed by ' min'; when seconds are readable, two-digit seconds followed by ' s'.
11 h 29 min
